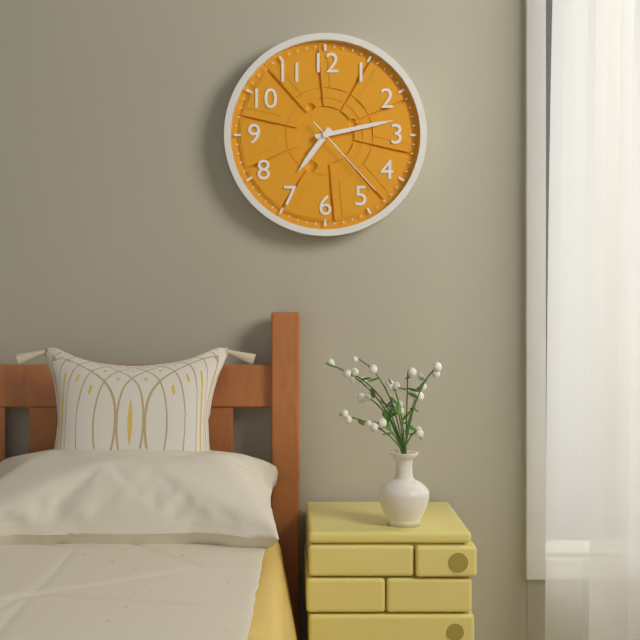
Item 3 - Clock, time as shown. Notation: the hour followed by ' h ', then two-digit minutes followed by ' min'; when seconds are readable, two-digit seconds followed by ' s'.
7 h 13 min 23 s
